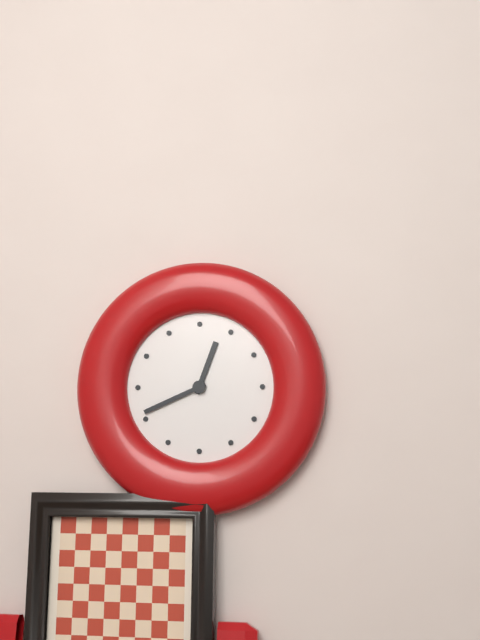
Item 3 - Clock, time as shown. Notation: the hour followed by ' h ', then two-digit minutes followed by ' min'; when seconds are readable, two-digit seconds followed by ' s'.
12 h 41 min
